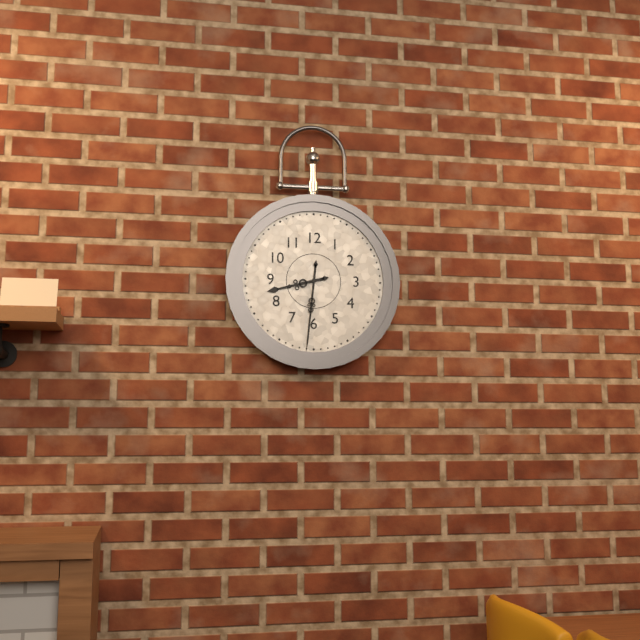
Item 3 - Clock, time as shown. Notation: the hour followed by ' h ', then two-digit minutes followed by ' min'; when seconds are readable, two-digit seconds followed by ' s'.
8 h 31 min
